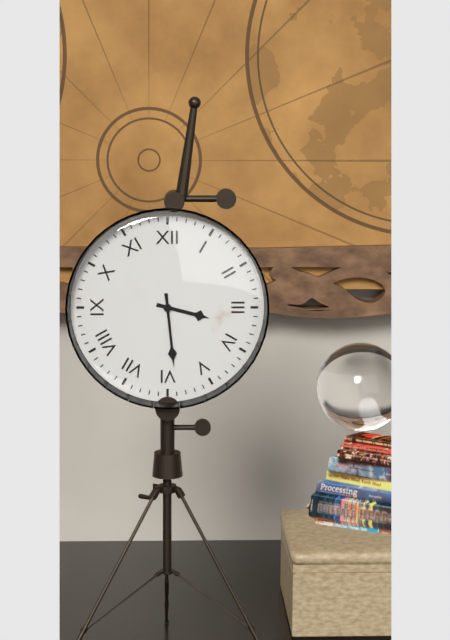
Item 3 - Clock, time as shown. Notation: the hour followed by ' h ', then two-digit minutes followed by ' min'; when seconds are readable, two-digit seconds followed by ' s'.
3 h 29 min
